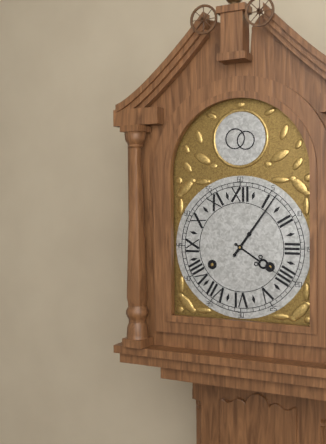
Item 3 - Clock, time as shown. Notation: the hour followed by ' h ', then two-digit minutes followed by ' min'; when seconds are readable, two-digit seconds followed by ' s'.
4 h 06 min
